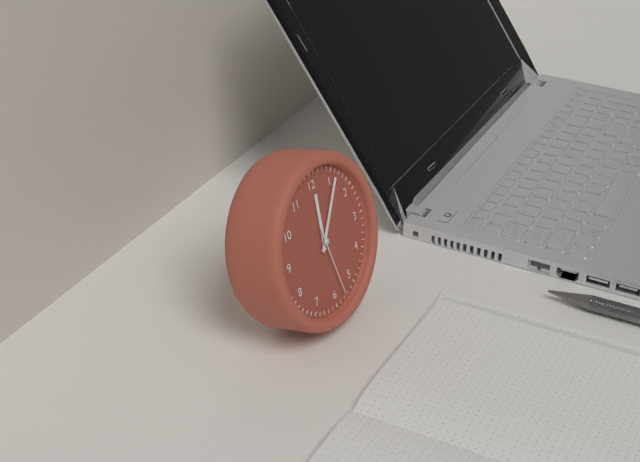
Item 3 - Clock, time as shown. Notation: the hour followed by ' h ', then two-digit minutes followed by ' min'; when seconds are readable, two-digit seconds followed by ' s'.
12 h 06 min 28 s
